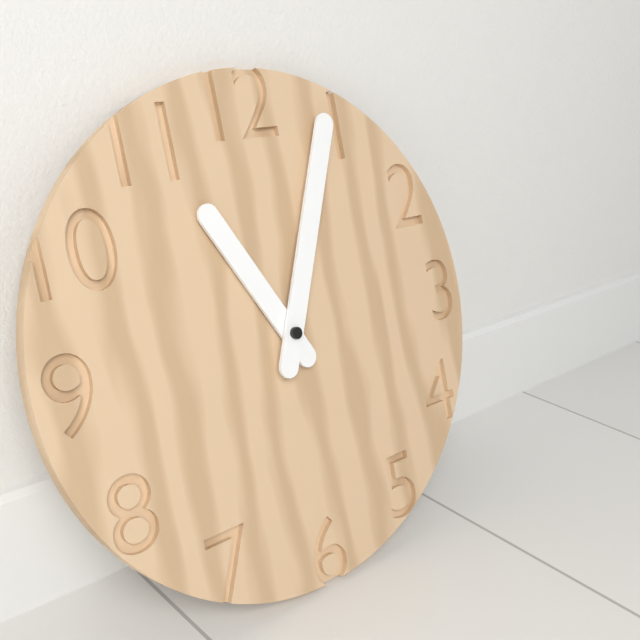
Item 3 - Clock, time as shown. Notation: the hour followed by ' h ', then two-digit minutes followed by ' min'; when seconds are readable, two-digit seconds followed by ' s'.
11 h 04 min
